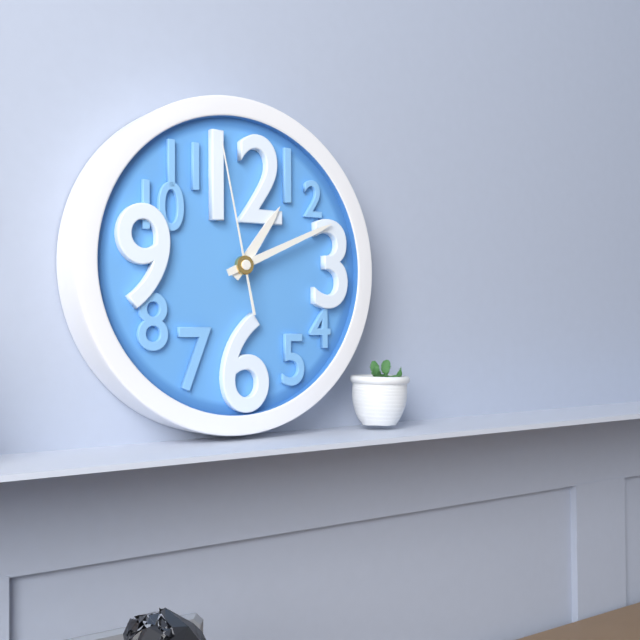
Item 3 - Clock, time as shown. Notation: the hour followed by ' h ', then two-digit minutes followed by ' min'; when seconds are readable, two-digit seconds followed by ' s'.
1 h 11 min 58 s
